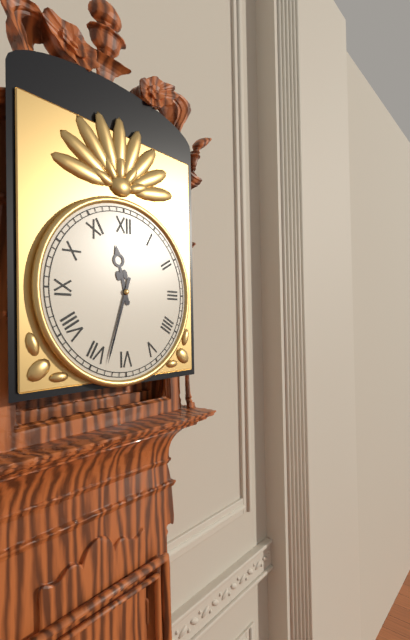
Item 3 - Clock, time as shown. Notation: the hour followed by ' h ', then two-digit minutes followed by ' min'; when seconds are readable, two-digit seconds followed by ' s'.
11 h 33 min
